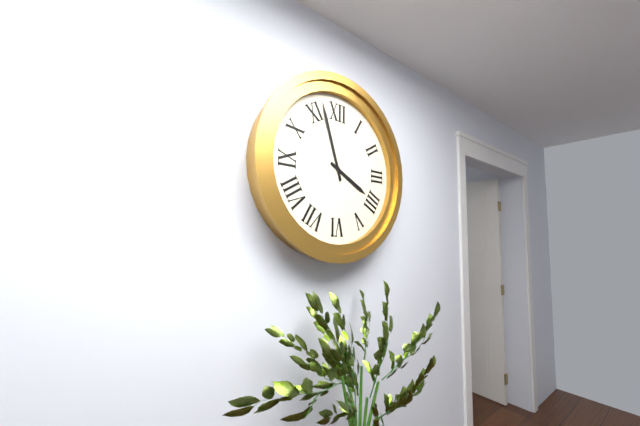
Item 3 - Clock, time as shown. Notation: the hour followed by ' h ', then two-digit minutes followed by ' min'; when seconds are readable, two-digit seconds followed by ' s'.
3 h 57 min
